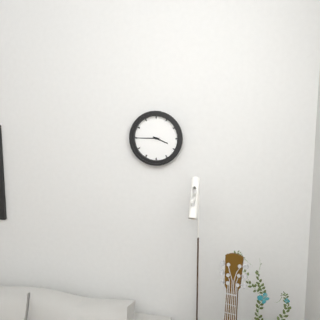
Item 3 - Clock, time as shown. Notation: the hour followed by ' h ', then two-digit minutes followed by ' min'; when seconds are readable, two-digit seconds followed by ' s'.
3 h 45 min
